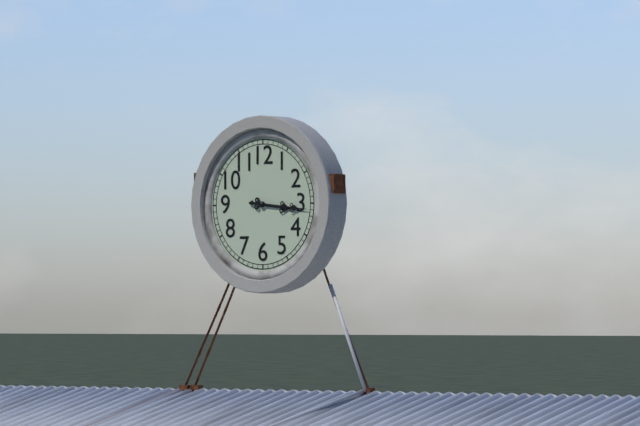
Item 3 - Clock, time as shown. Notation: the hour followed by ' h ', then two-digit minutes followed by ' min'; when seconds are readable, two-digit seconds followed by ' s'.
3 h 16 min
